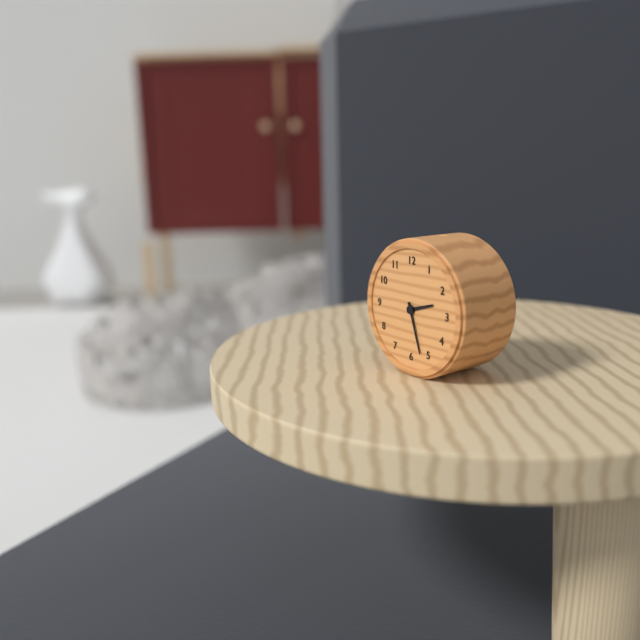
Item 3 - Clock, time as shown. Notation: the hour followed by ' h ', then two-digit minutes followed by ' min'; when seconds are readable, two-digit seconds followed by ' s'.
2 h 27 min
